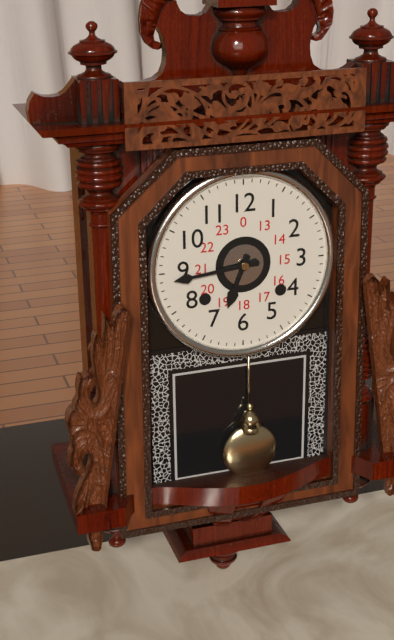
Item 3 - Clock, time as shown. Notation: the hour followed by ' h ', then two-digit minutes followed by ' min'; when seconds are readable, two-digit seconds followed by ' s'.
6 h 44 min
